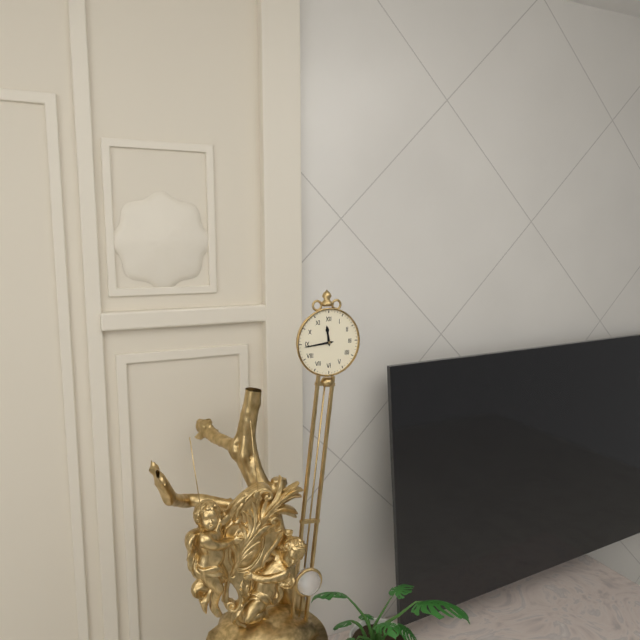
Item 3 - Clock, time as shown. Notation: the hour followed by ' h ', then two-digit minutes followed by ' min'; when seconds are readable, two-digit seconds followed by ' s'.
11 h 44 min
